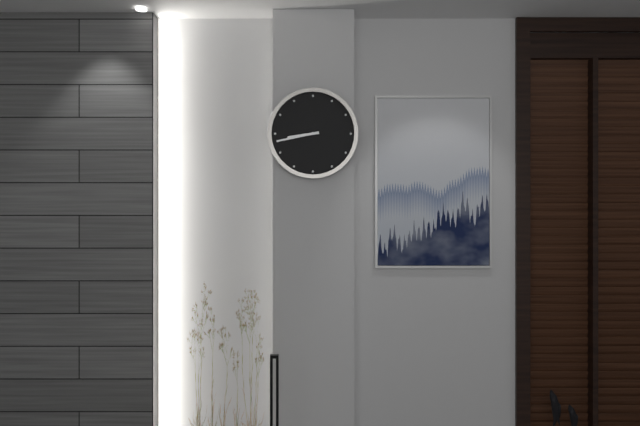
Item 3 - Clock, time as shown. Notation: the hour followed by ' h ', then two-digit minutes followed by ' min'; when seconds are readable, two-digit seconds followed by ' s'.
8 h 43 min
